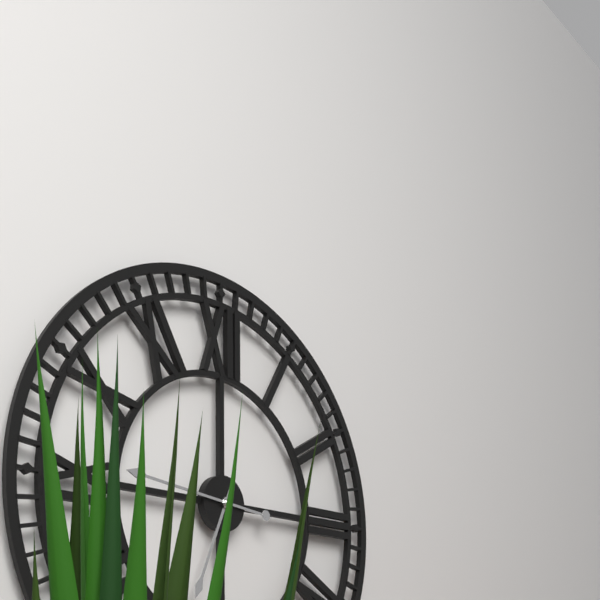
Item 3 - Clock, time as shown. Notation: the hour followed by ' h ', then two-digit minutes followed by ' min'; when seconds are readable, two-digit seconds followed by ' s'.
6 h 46 min
